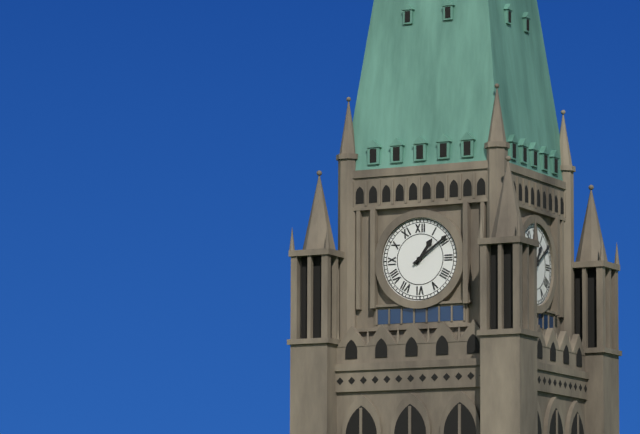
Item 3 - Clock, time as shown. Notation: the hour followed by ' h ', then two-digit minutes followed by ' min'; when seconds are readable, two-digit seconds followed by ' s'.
1 h 09 min
